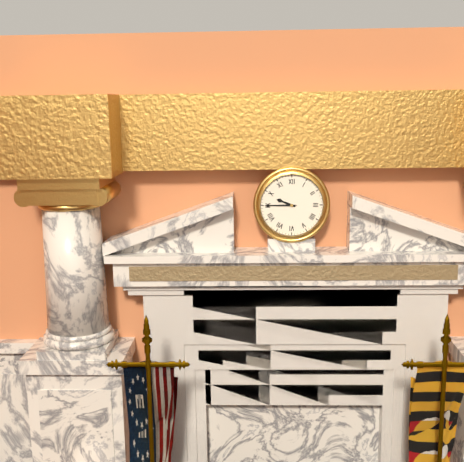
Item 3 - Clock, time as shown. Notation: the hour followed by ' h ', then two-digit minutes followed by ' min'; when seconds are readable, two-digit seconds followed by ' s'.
9 h 45 min
